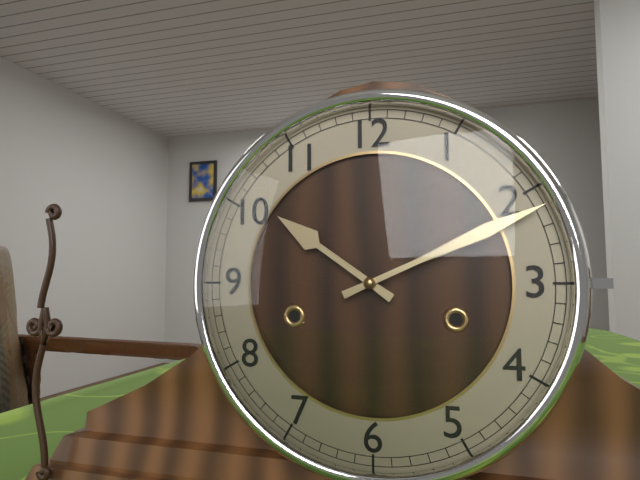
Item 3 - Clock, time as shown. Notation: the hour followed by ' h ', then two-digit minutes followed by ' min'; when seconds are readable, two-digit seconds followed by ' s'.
10 h 11 min
